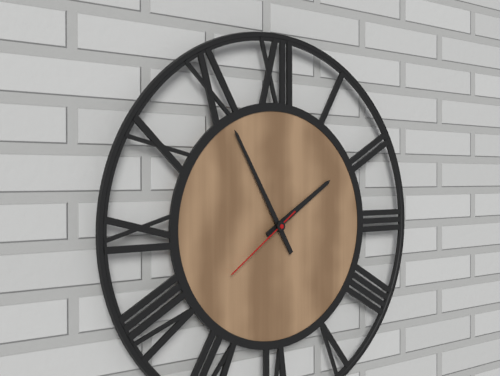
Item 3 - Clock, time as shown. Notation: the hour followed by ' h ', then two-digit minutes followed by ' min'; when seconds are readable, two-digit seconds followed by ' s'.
1 h 55 min 39 s
